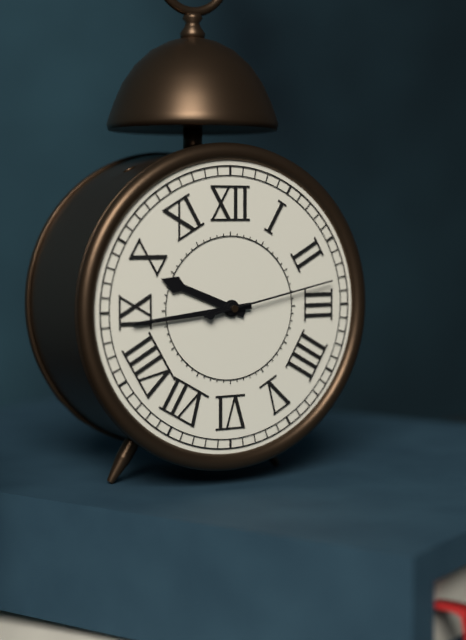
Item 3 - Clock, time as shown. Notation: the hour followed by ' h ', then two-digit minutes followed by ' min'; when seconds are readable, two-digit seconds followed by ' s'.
9 h 44 min 13 s
